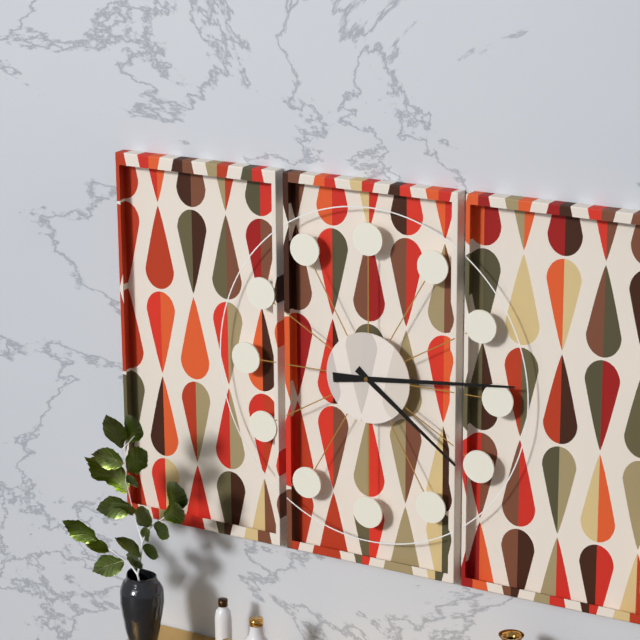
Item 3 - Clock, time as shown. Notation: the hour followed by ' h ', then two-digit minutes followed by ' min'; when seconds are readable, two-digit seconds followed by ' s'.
4 h 14 min
